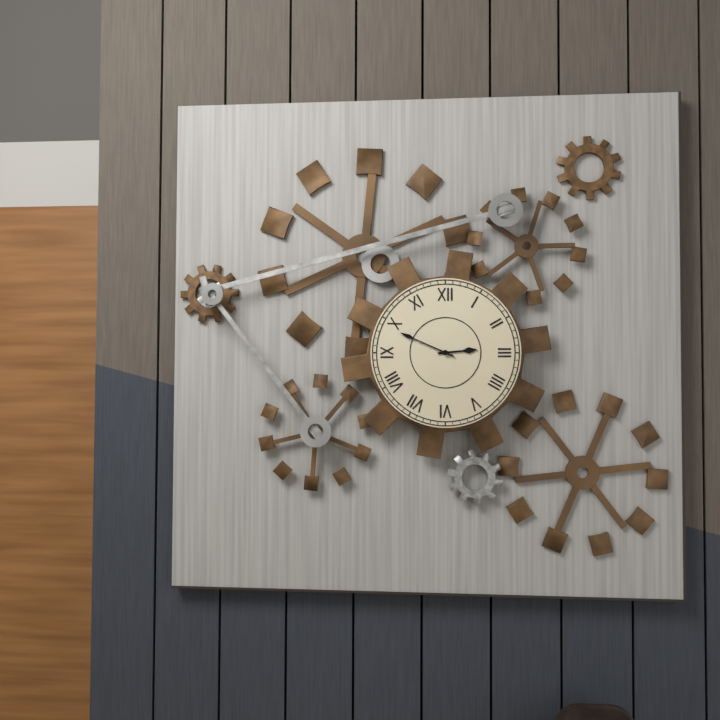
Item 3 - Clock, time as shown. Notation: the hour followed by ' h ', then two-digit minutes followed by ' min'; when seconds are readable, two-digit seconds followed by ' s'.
2 h 49 min
